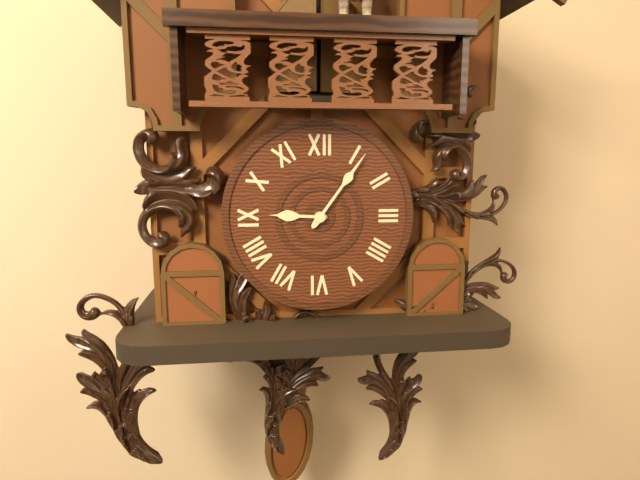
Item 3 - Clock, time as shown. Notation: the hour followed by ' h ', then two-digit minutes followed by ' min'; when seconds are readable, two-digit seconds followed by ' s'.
9 h 06 min
